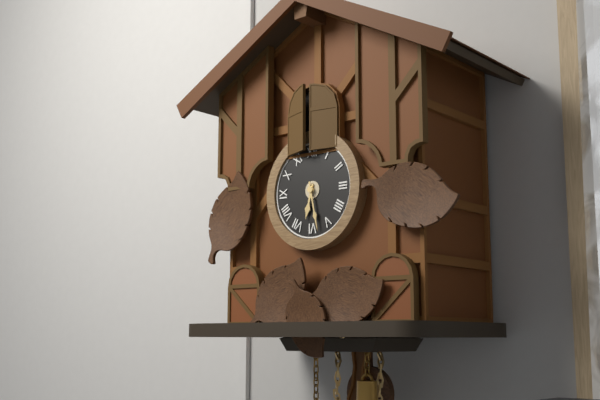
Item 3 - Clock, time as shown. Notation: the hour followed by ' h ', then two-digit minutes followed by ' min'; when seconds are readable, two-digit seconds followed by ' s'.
6 h 28 min
